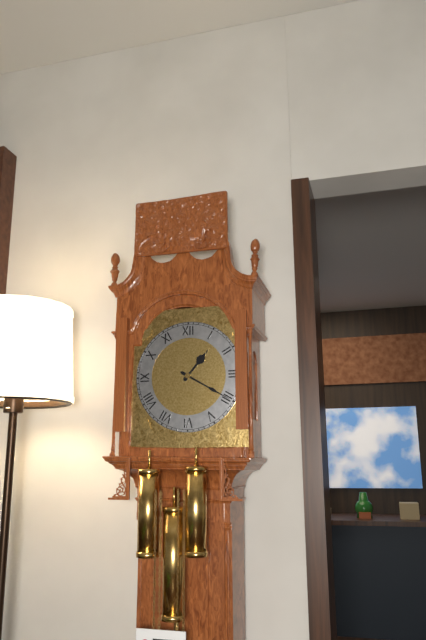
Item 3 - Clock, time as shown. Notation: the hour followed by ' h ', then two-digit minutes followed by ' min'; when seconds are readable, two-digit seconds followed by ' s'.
1 h 20 min
